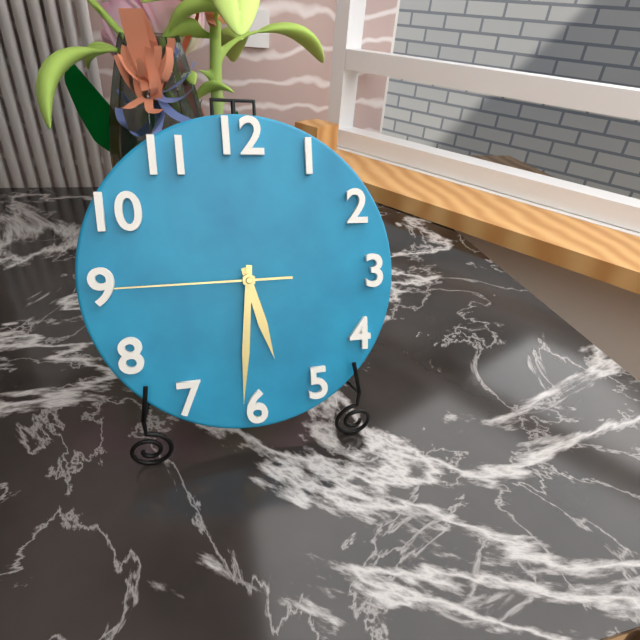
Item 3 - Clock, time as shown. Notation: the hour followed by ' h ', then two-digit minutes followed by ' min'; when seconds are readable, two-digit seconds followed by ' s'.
5 h 31 min 45 s
